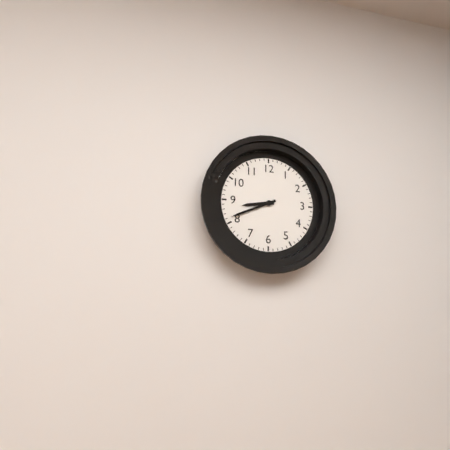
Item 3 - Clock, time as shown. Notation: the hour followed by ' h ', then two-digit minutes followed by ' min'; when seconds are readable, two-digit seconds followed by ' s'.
8 h 41 min
